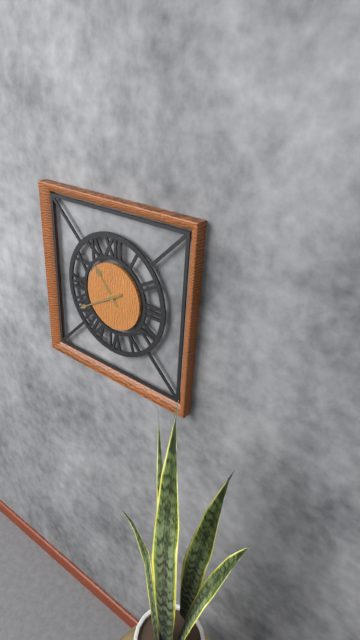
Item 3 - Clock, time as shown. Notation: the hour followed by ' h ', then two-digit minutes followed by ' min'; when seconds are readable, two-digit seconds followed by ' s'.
10 h 40 min
